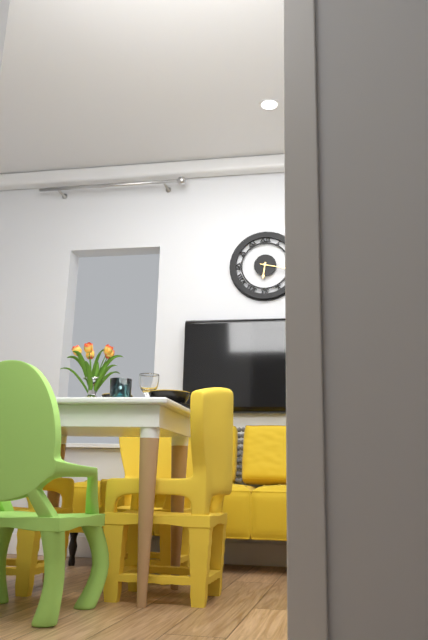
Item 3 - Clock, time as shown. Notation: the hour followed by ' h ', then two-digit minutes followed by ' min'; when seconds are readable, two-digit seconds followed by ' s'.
6 h 17 min
